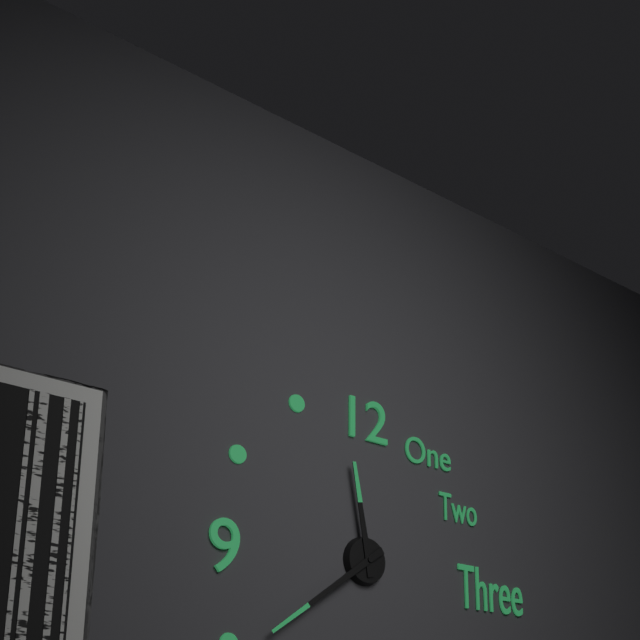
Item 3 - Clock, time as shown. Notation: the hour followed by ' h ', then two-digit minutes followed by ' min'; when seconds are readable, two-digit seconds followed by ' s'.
11 h 39 min
